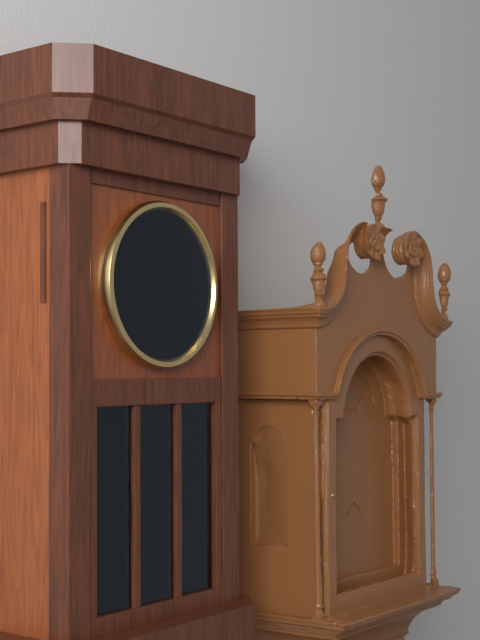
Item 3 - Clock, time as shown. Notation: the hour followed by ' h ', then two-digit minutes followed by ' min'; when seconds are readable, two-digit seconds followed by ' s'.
8 h 28 min
